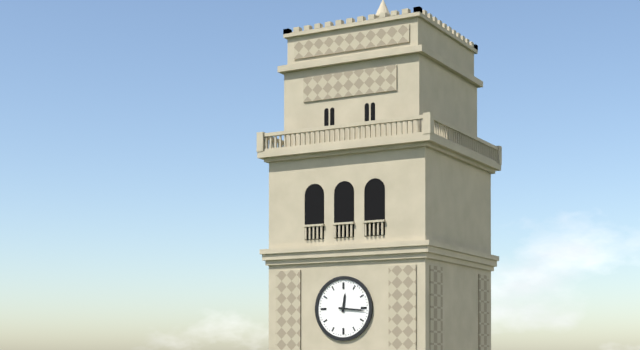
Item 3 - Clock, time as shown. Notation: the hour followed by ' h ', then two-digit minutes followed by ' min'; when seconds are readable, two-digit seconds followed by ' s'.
12 h 16 min
